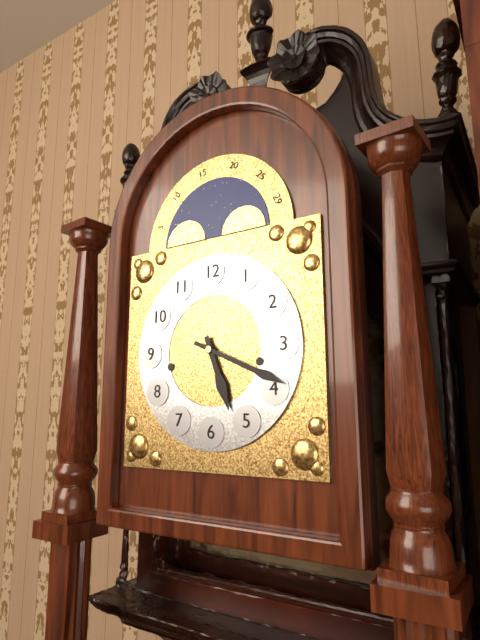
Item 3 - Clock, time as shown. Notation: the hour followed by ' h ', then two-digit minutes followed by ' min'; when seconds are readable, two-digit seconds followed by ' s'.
5 h 19 min
